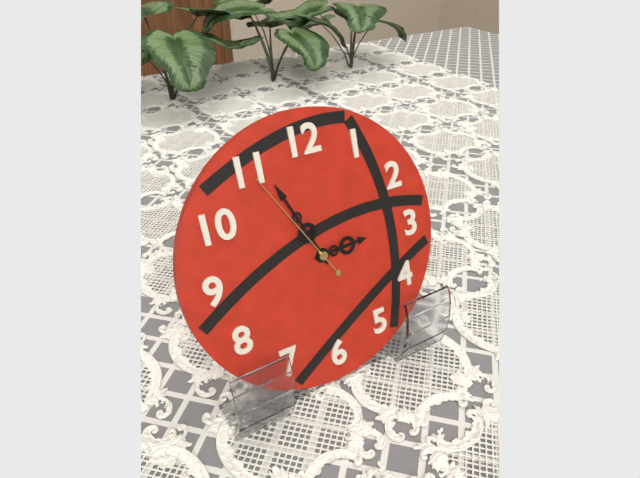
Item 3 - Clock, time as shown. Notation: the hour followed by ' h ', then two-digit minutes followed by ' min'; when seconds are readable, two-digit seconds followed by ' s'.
2 h 56 min 55 s
